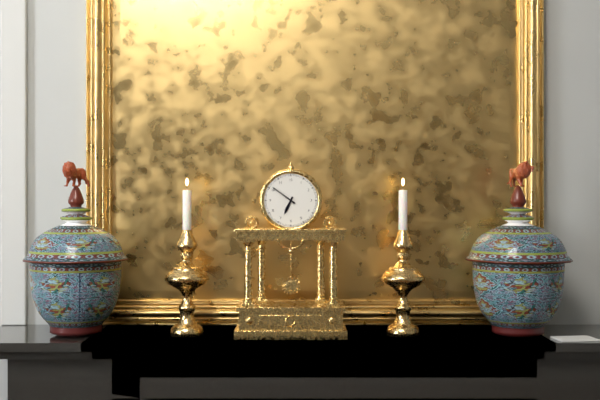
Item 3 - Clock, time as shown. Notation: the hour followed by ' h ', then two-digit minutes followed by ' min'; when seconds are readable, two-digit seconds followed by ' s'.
6 h 51 min
